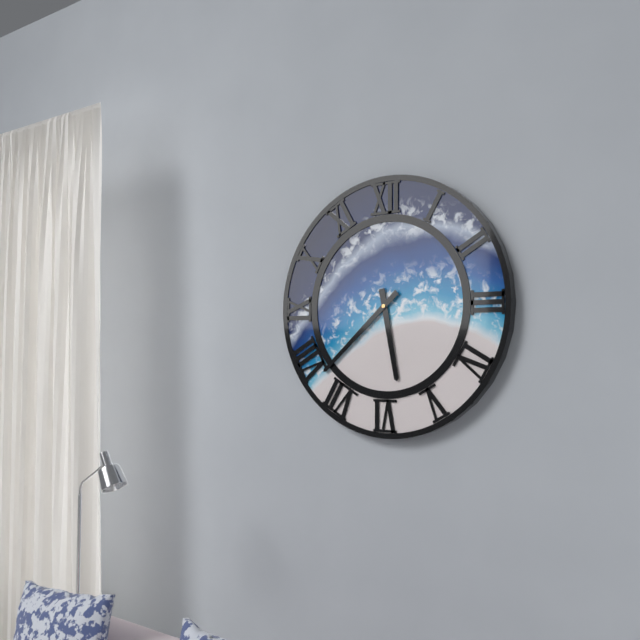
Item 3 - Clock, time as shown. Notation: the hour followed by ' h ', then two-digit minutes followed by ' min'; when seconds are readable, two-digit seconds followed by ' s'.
5 h 38 min
